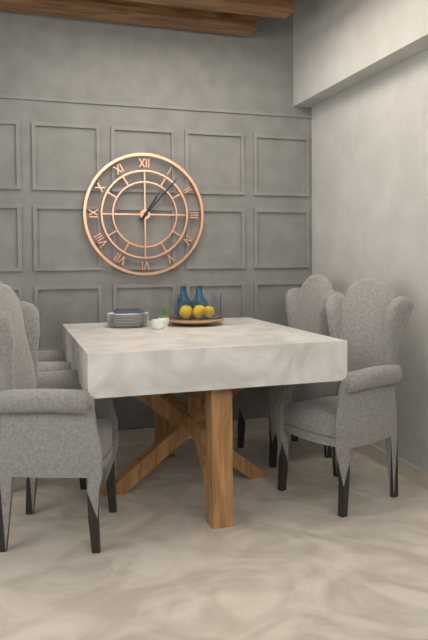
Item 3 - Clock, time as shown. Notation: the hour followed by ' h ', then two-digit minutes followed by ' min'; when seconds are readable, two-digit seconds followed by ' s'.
1 h 07 min
